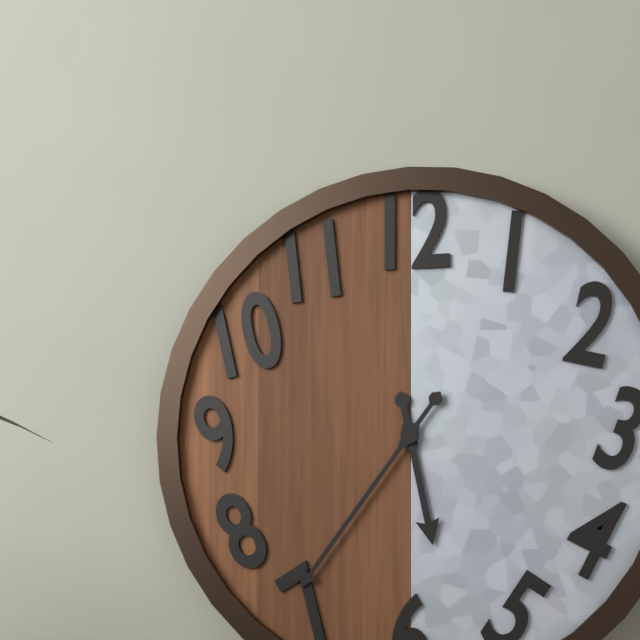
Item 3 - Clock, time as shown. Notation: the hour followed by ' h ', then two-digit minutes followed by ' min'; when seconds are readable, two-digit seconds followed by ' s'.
5 h 36 min
